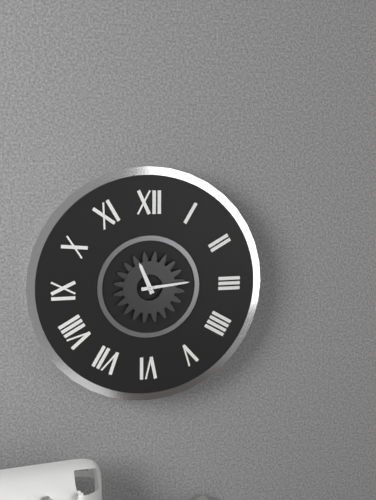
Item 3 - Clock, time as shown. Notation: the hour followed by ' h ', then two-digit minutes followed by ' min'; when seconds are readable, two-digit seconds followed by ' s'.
11 h 14 min
